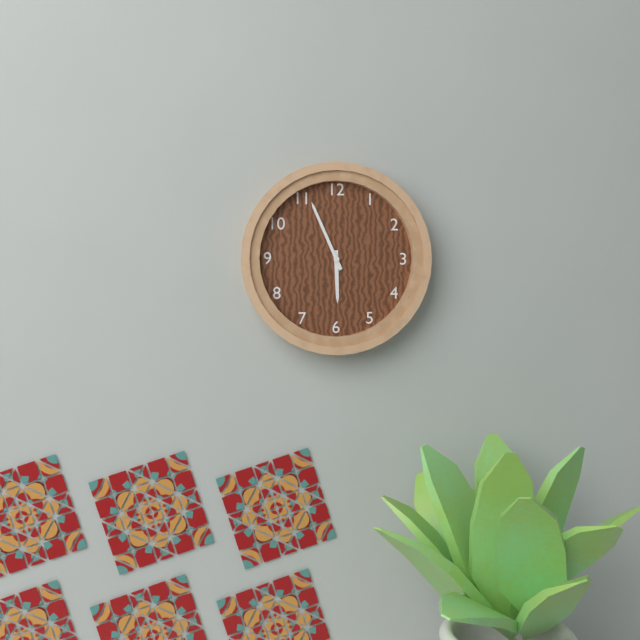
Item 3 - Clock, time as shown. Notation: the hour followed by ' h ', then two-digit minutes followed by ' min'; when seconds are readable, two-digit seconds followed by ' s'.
5 h 56 min
